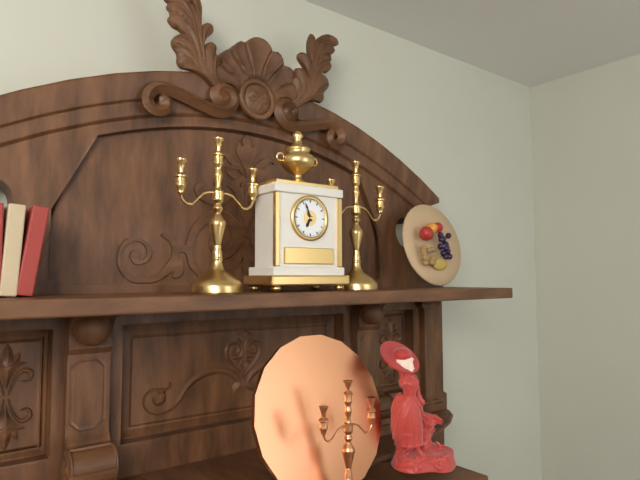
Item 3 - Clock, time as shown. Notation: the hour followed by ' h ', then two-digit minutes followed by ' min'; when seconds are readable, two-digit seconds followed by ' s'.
6 h 56 min
